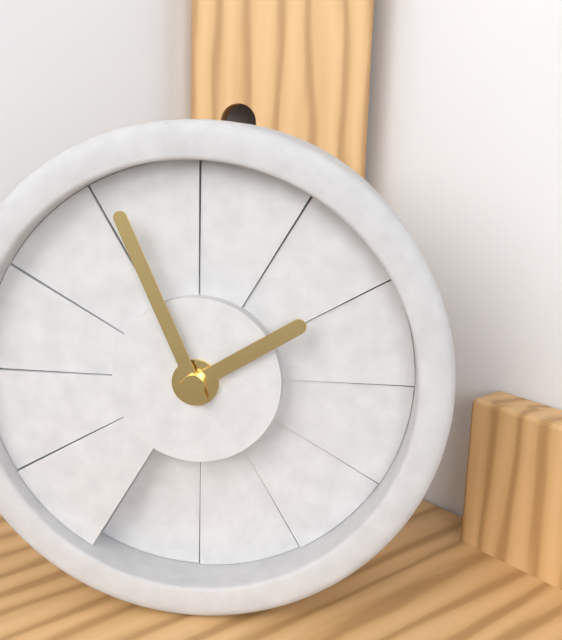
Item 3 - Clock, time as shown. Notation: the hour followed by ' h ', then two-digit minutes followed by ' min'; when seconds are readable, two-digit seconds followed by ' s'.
1 h 56 min
